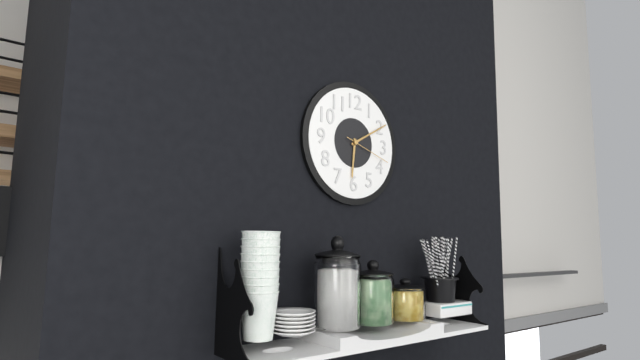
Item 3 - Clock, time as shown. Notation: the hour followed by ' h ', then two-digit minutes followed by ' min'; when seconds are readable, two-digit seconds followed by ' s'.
6 h 10 min
